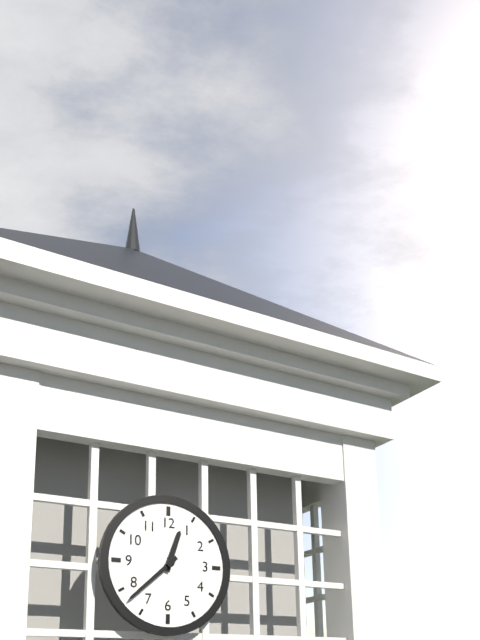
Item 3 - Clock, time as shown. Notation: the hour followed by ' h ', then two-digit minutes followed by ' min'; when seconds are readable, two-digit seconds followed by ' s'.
12 h 38 min
